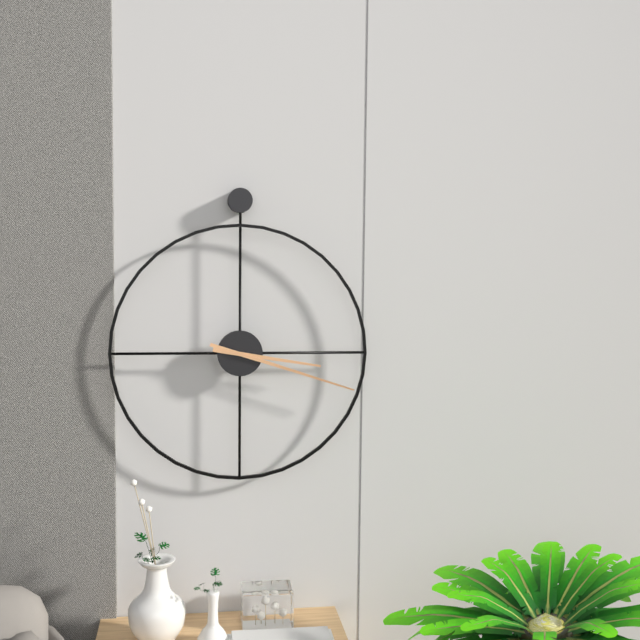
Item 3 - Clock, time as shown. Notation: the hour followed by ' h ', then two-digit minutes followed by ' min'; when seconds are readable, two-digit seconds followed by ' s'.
3 h 18 min
